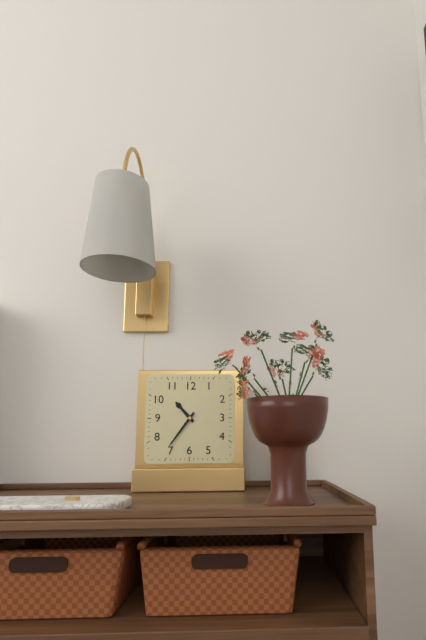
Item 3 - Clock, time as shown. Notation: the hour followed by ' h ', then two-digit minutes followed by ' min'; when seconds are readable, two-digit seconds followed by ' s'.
10 h 36 min
